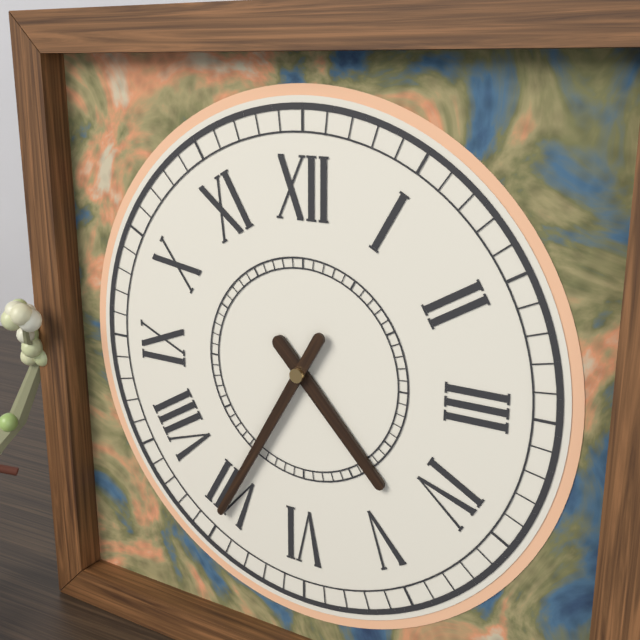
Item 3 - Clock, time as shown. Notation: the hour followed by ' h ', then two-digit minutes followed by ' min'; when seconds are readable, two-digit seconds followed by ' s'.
4 h 35 min
